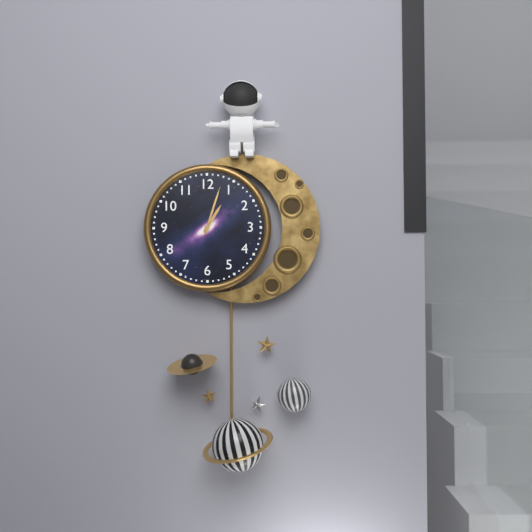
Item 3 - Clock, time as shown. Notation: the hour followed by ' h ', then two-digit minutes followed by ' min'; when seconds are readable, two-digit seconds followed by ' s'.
1 h 03 min
